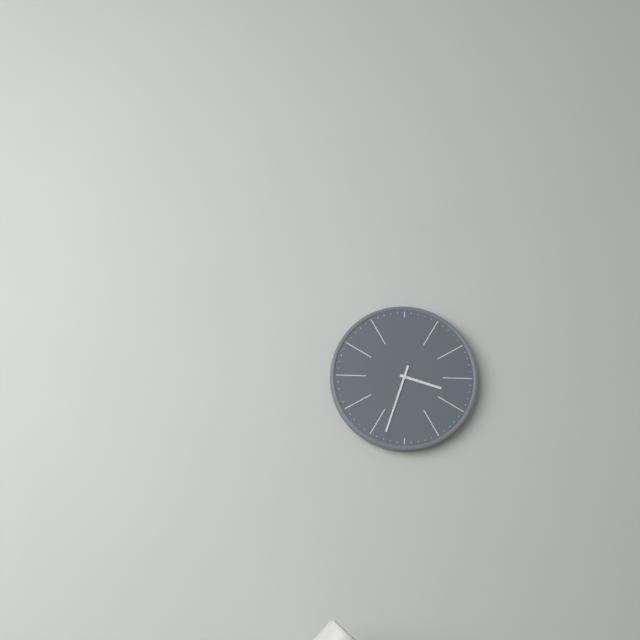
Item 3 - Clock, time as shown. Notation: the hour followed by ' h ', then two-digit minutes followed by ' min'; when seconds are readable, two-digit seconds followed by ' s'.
3 h 33 min
